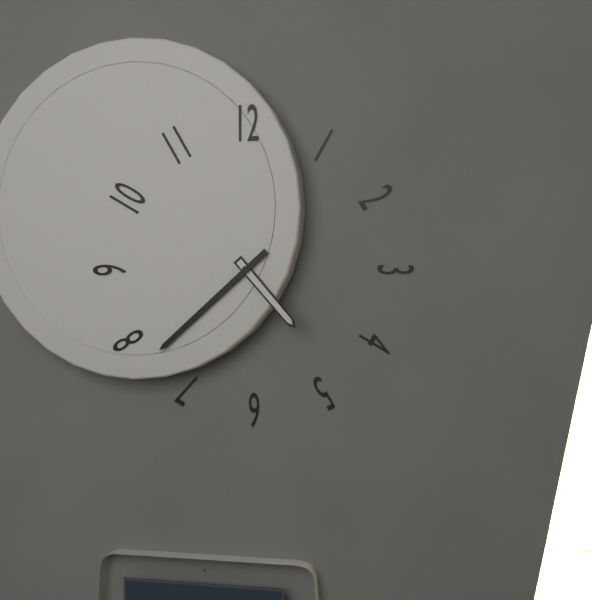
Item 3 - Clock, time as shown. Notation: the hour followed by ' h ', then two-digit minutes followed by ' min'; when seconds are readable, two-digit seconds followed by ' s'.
4 h 38 min
